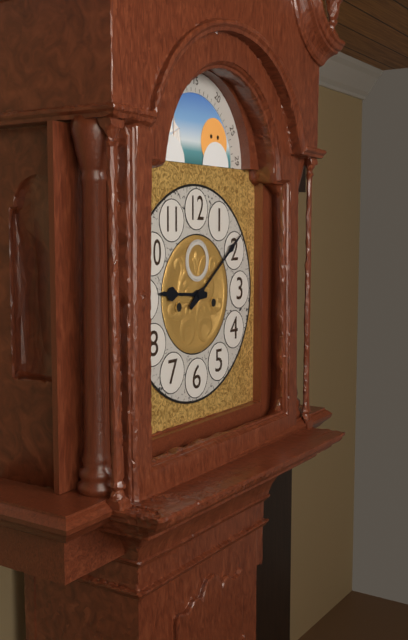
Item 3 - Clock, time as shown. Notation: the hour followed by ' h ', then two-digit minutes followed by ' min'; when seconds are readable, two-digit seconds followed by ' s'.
9 h 09 min
